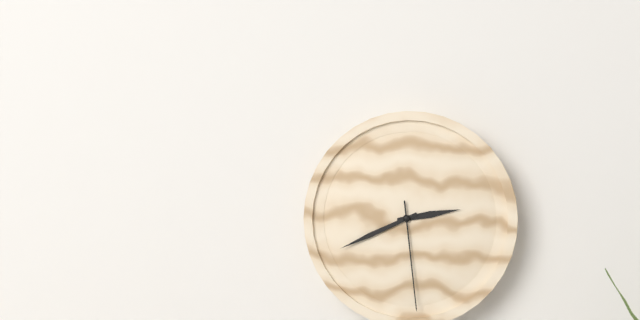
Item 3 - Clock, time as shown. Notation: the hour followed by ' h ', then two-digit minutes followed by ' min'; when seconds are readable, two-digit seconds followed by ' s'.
2 h 41 min 29 s
